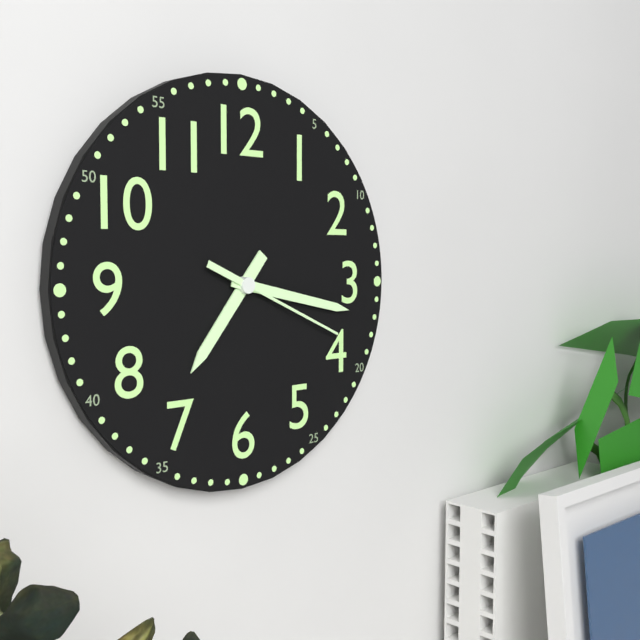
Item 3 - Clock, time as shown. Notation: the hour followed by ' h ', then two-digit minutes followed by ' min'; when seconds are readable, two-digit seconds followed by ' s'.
7 h 17 min 19 s
